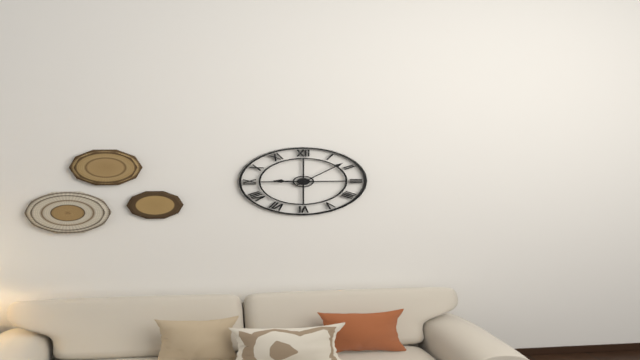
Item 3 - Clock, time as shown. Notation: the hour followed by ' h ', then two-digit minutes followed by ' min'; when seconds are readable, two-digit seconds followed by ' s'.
9 h 08 min
